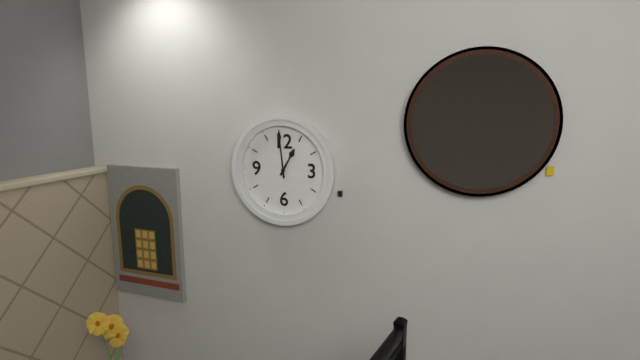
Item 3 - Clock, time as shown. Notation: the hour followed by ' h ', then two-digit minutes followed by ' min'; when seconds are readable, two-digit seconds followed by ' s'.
12 h 59 min
